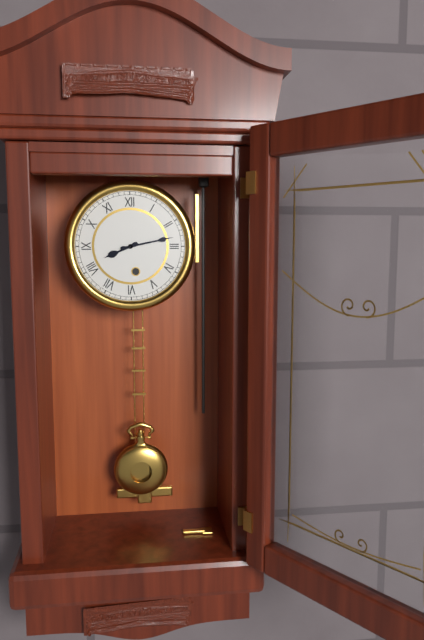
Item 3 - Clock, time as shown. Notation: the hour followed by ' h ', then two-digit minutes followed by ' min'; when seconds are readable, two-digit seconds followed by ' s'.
8 h 13 min
